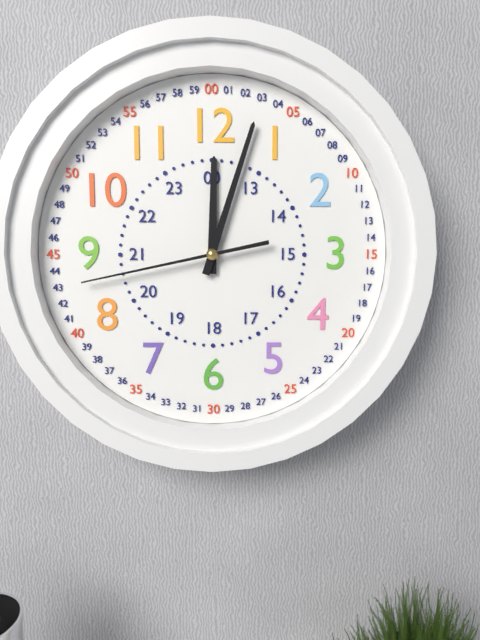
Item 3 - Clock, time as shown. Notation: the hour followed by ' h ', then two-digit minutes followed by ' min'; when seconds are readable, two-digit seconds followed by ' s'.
12 h 03 min 43 s
